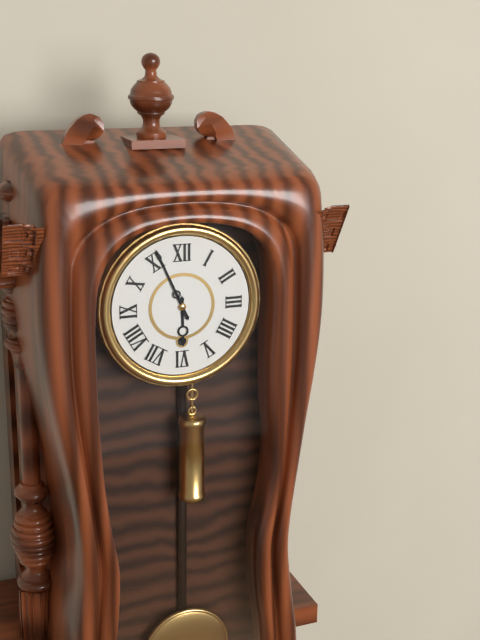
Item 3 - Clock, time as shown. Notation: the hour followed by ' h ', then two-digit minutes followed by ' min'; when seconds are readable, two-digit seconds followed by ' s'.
5 h 56 min
